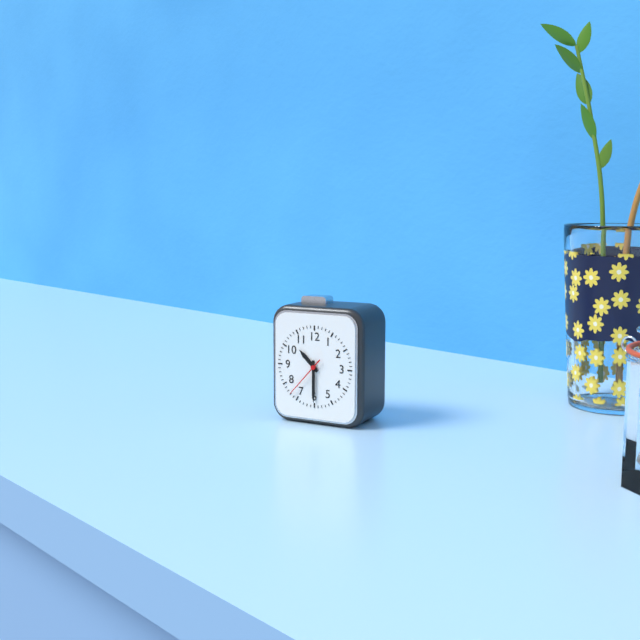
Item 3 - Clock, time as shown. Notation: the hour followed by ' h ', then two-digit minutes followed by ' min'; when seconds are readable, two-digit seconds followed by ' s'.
10 h 30 min
